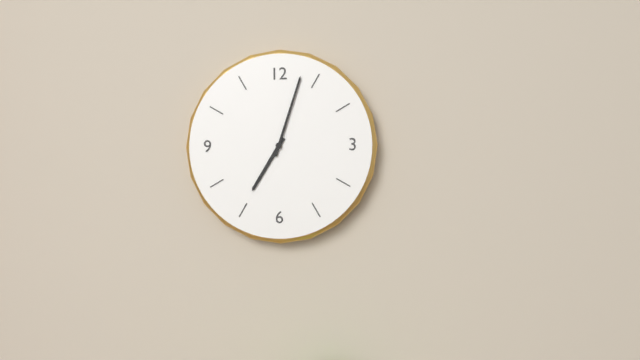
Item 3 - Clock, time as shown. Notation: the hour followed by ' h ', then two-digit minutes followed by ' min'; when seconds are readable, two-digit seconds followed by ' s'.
7 h 03 min
